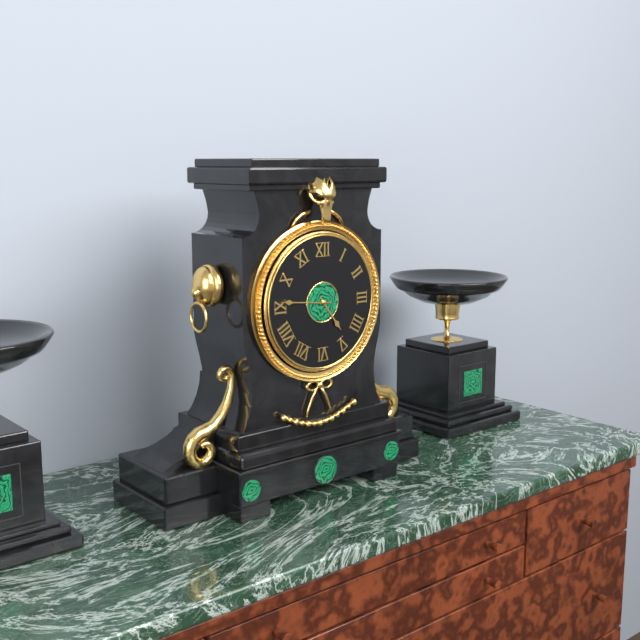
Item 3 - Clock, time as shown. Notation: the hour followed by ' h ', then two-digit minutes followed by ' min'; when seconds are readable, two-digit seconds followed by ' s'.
4 h 46 min
